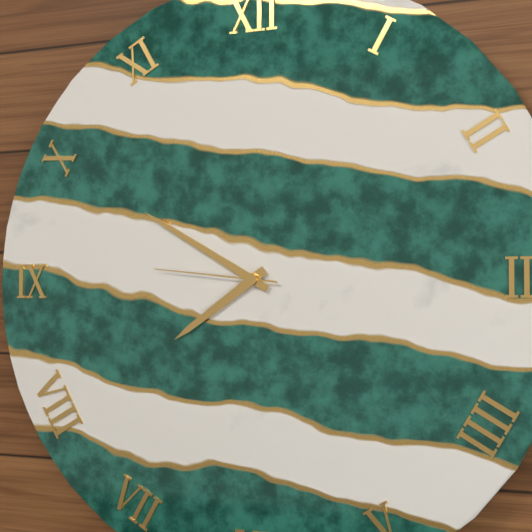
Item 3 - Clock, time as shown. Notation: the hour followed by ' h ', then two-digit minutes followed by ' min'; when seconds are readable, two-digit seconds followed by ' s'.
7 h 50 min 46 s
